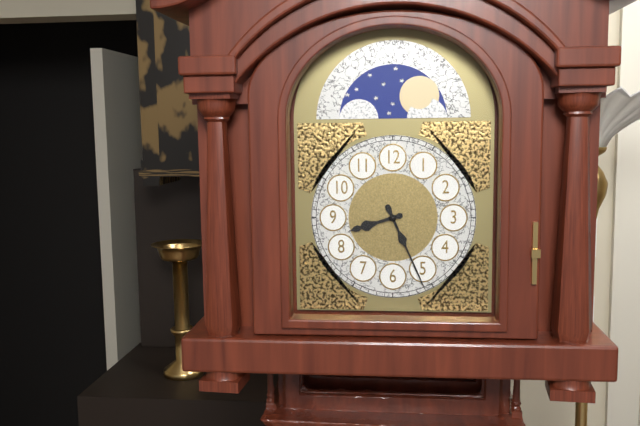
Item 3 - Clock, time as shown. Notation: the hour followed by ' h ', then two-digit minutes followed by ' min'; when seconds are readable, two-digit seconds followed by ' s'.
8 h 26 min
